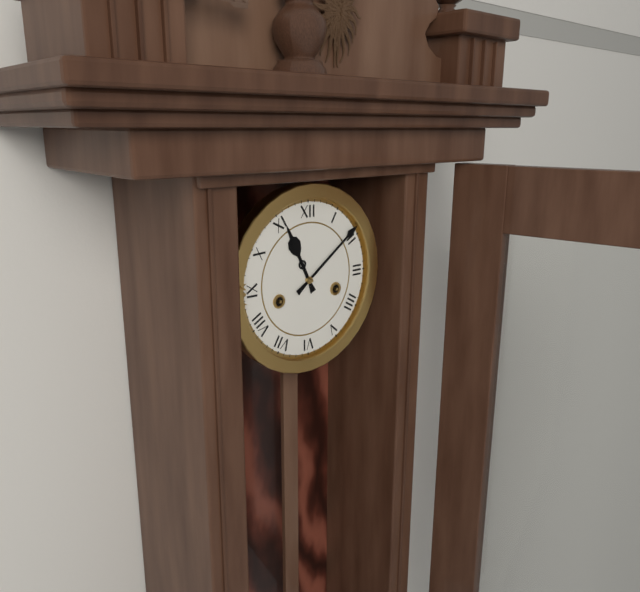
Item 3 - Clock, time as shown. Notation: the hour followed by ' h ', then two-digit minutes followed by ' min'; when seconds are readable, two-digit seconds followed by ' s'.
11 h 09 min
